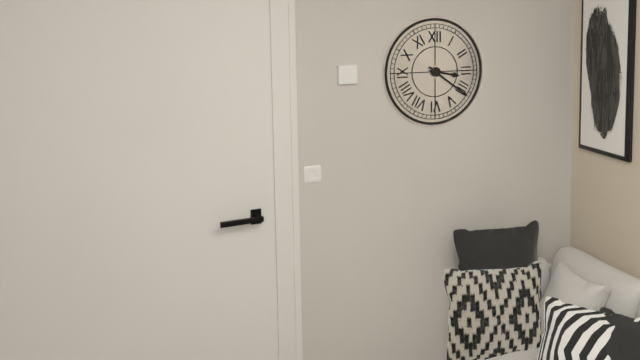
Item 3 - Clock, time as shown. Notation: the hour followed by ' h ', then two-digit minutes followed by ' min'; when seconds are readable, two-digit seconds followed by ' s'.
3 h 21 min
